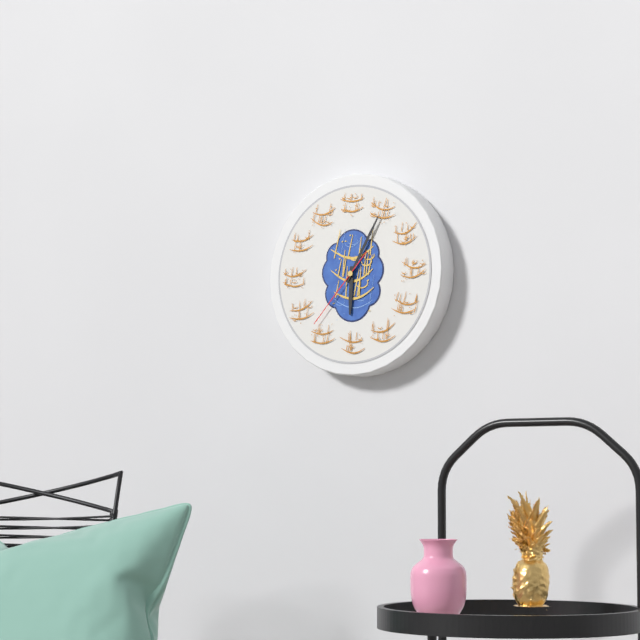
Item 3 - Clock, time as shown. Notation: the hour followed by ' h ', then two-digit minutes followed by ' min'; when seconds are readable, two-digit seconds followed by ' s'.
6 h 05 min 37 s
